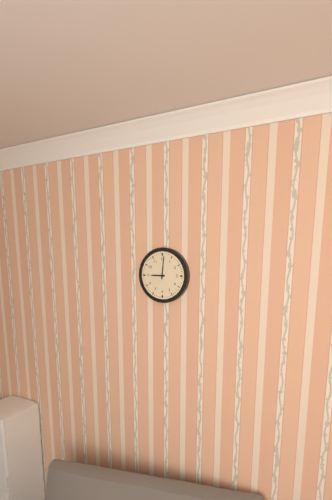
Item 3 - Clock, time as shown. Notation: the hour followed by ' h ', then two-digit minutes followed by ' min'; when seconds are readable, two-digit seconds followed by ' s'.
9 h 01 min
